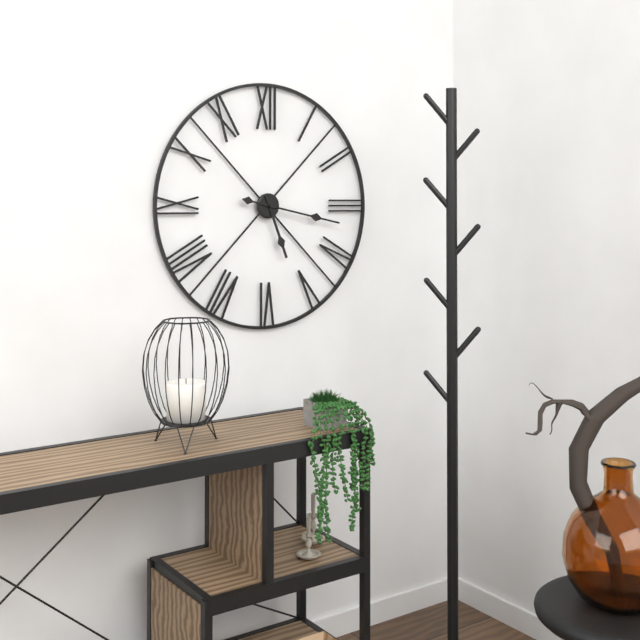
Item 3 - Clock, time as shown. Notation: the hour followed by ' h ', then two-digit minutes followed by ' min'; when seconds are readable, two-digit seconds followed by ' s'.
5 h 17 min
